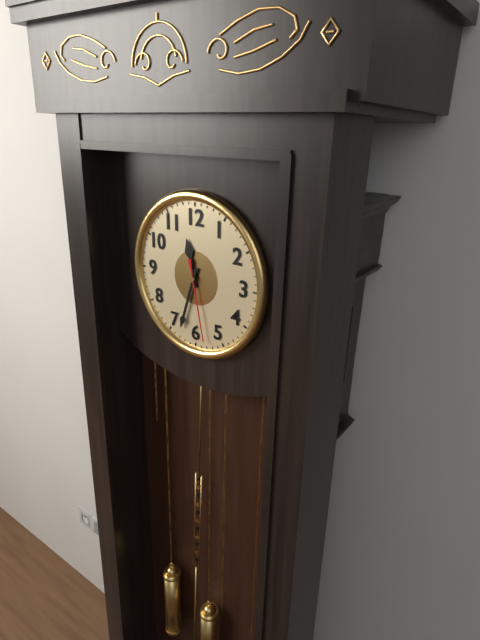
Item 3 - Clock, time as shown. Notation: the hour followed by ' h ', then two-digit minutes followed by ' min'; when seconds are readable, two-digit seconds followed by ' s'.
11 h 33 min 28 s
